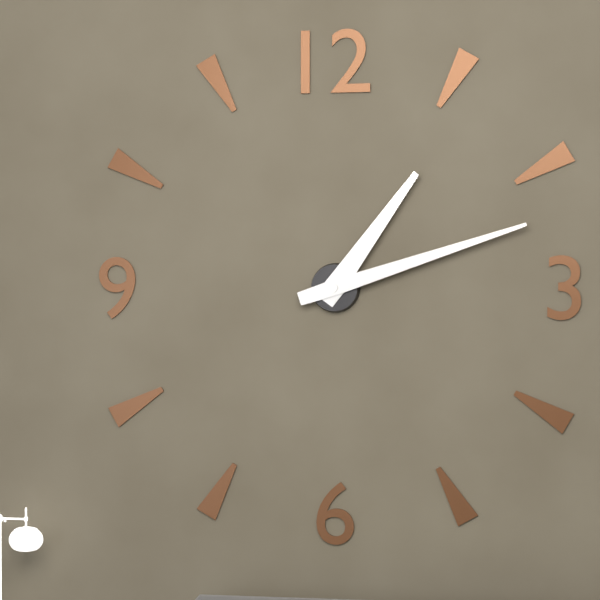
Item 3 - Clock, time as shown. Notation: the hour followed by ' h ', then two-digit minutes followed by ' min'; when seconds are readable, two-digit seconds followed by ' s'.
1 h 12 min
